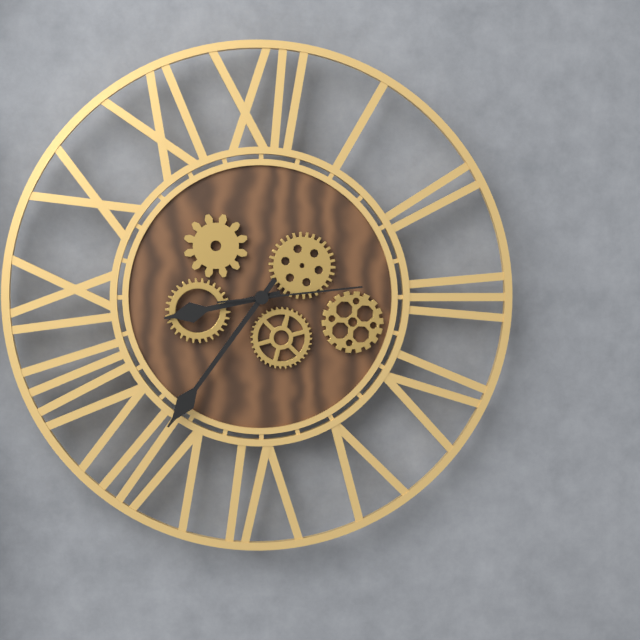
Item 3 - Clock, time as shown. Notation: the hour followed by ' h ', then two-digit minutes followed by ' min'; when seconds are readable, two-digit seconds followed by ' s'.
8 h 36 min 14 s
